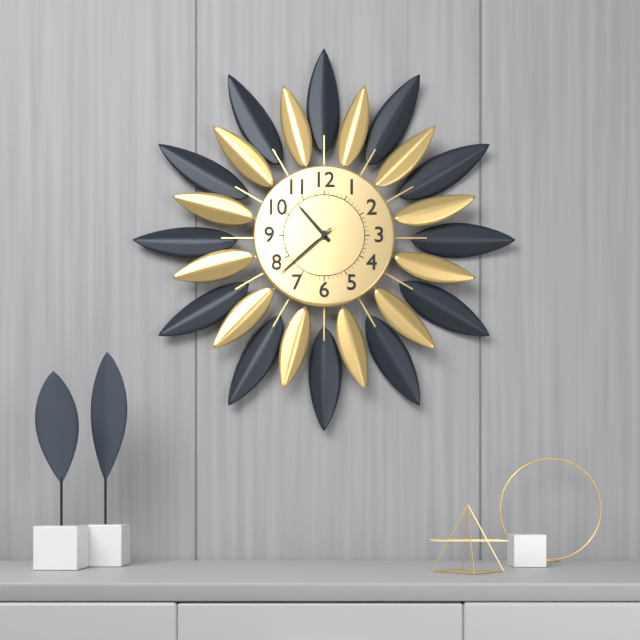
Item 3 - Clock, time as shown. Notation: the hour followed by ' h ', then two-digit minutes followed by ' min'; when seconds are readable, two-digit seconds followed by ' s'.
10 h 38 min 39 s
